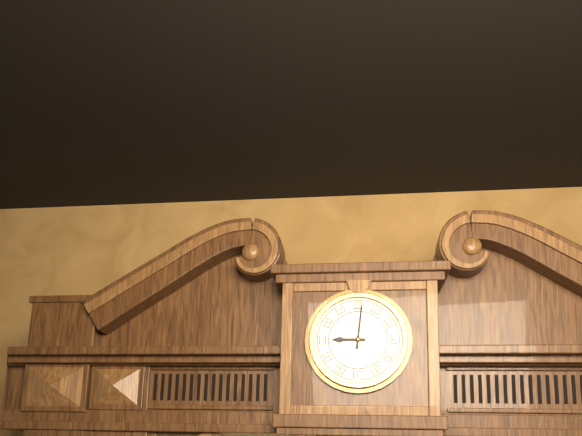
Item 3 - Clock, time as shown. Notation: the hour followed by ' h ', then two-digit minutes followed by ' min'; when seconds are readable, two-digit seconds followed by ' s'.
9 h 01 min
